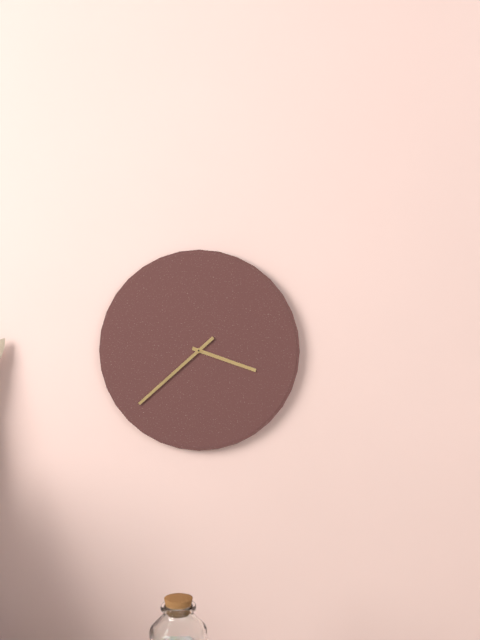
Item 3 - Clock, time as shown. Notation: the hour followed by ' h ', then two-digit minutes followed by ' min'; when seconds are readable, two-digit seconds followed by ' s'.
3 h 38 min
